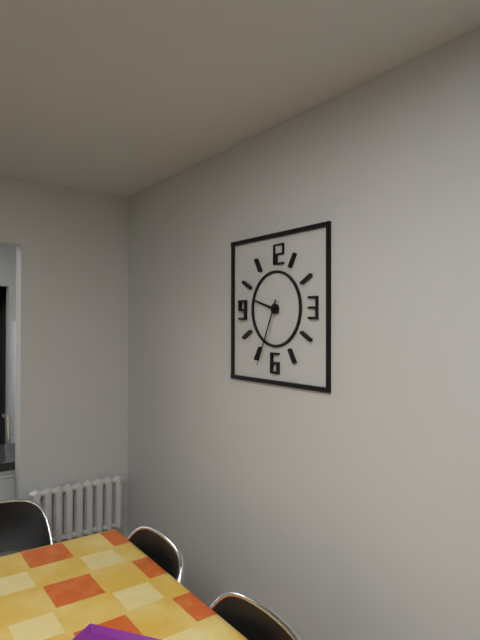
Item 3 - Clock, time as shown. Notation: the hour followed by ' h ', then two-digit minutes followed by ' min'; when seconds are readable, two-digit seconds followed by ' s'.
9 h 34 min
